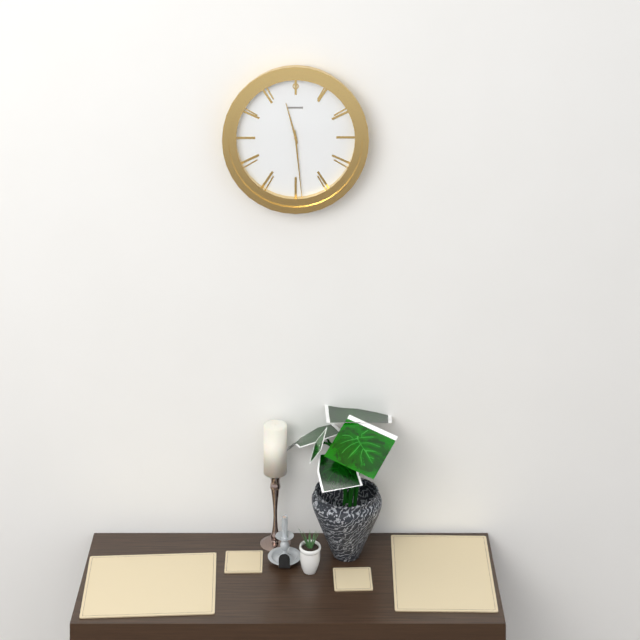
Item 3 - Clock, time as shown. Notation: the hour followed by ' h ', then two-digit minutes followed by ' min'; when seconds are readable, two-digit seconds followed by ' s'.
11 h 29 min
